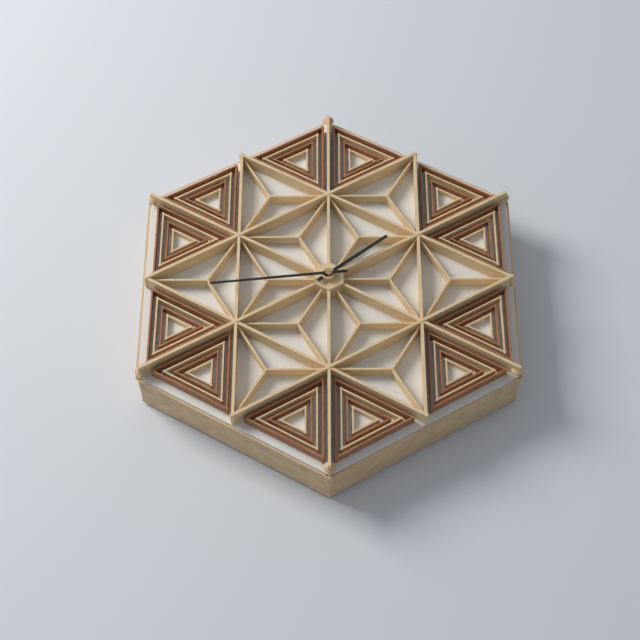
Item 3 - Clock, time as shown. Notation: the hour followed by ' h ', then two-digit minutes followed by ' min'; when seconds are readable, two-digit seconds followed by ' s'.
1 h 44 min
